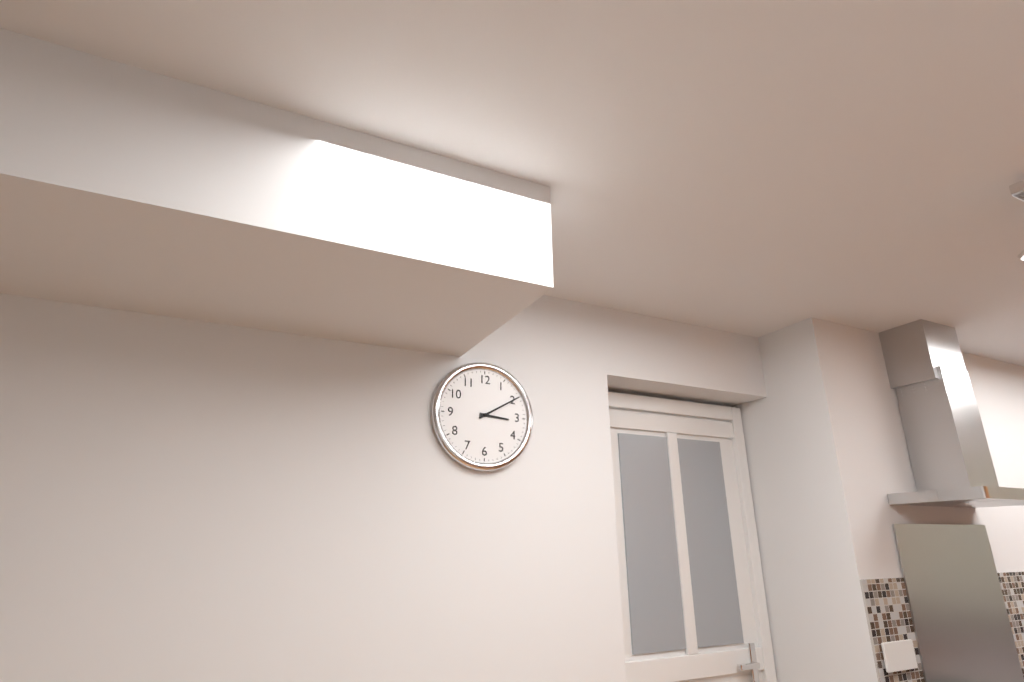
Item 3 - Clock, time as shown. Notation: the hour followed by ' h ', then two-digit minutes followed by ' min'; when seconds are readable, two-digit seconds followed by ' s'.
3 h 10 min
